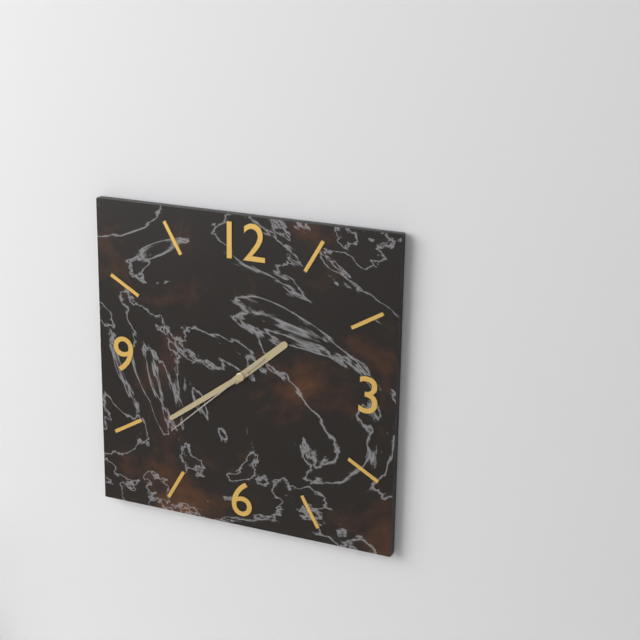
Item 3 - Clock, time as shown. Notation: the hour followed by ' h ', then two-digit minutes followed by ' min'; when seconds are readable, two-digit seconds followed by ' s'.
1 h 39 min 38 s
